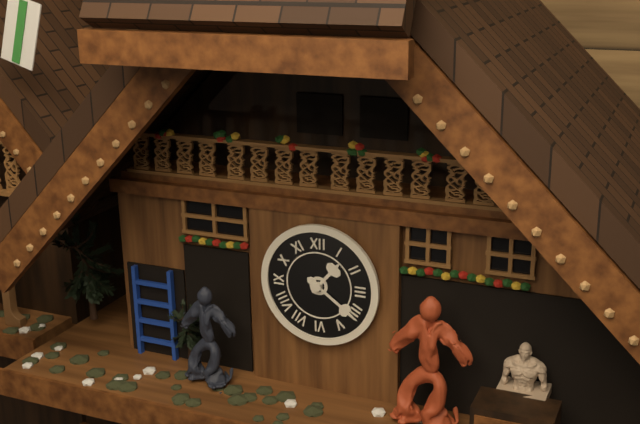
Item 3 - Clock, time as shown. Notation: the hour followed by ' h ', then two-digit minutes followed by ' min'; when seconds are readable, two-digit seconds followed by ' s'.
1 h 21 min
